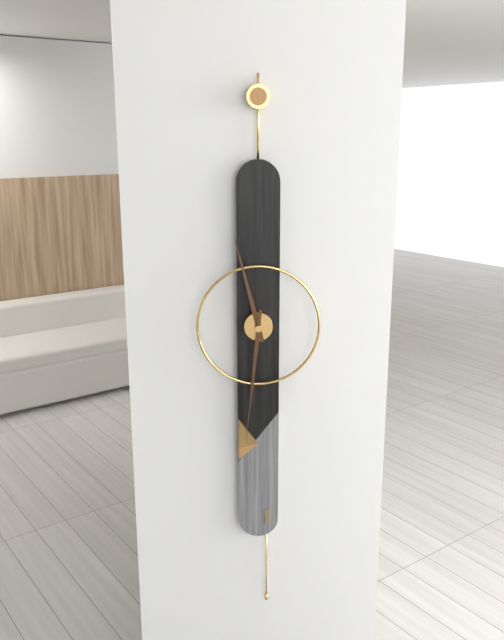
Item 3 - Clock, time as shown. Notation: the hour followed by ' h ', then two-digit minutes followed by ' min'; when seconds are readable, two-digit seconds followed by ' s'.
11 h 31 min
